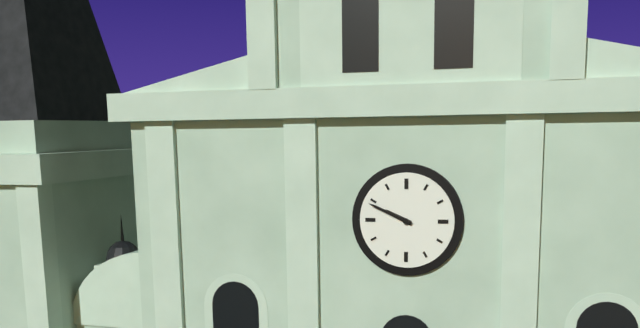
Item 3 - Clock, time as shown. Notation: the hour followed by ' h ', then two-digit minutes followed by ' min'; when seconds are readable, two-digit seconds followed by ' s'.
9 h 49 min
